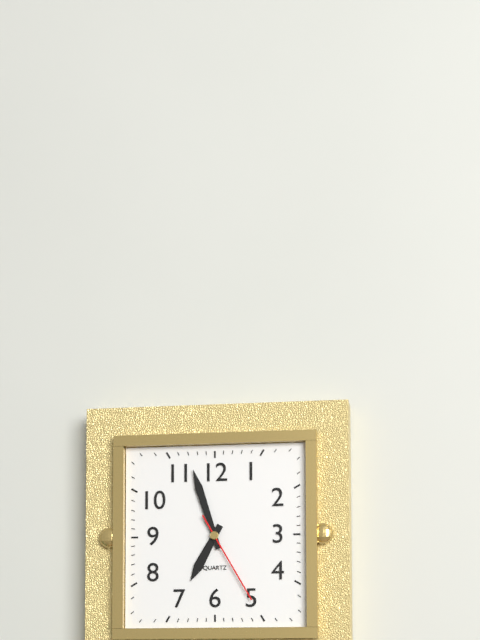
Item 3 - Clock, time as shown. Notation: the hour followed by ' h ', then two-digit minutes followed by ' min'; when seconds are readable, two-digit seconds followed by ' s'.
6 h 57 min 25 s
